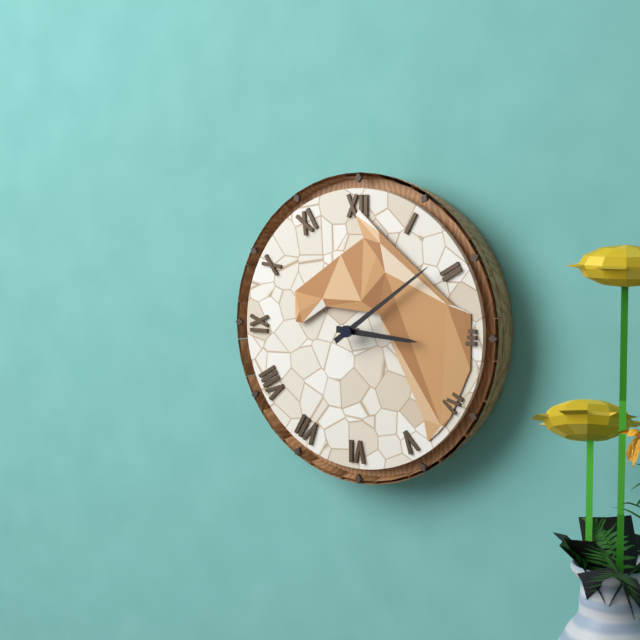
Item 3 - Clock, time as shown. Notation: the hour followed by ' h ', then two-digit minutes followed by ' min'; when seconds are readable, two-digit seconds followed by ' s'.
3 h 09 min
